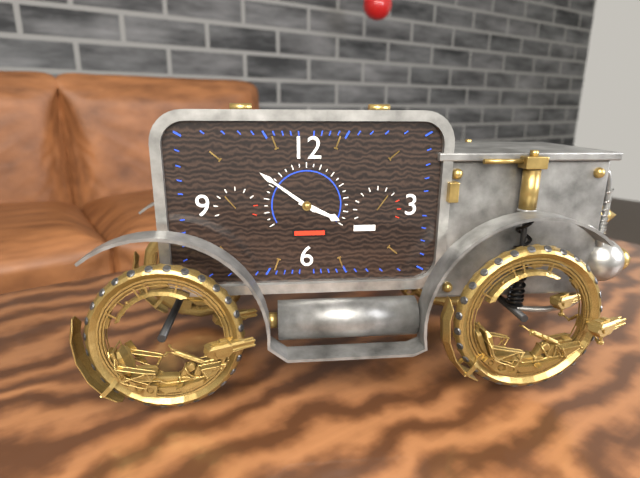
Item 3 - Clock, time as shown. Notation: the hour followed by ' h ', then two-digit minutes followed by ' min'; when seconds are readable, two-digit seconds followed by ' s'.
3 h 51 min
